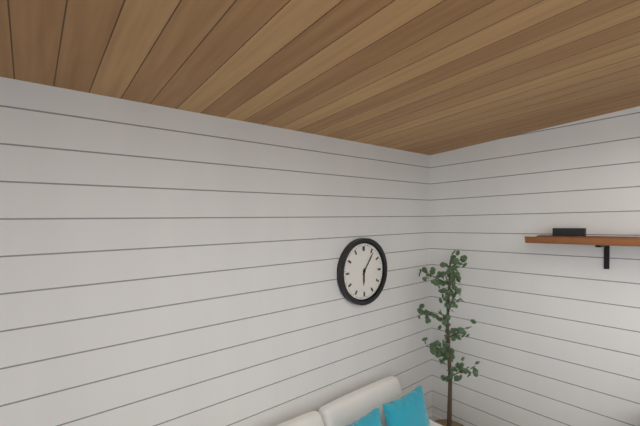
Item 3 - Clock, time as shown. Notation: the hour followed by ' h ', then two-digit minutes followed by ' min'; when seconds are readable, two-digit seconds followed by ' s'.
6 h 06 min
